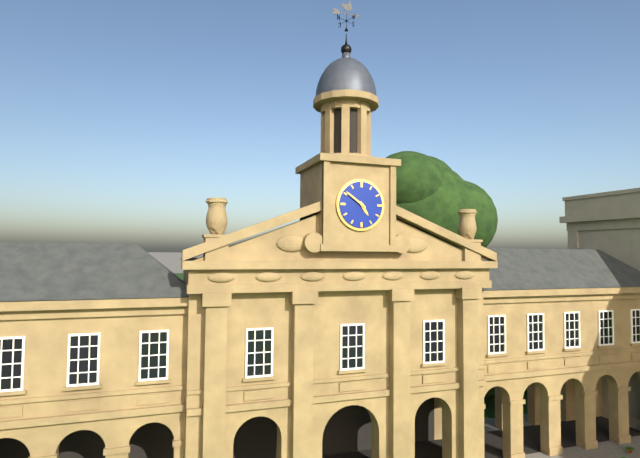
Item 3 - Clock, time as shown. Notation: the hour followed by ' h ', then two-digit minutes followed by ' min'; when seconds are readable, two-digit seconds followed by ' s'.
4 h 51 min
